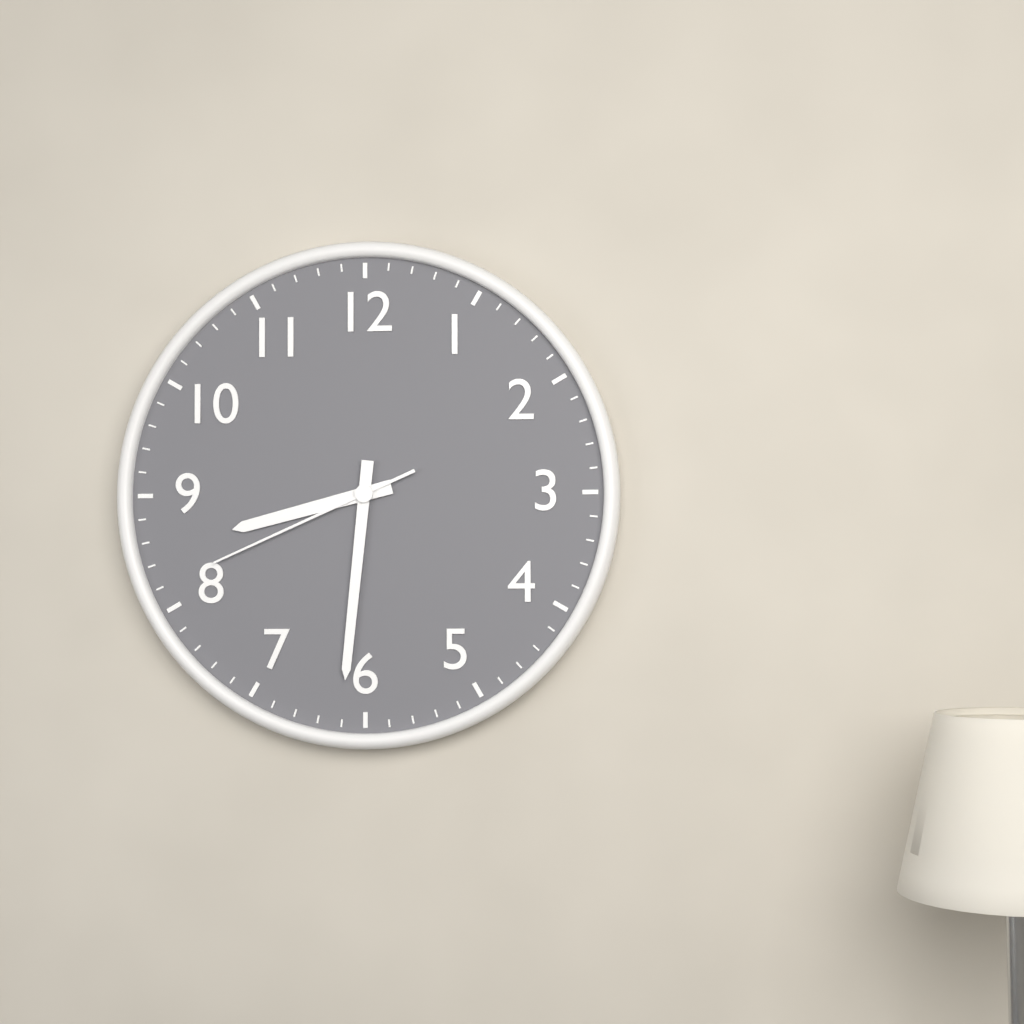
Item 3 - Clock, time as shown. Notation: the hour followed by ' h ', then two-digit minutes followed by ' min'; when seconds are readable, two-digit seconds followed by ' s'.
8 h 31 min 41 s
